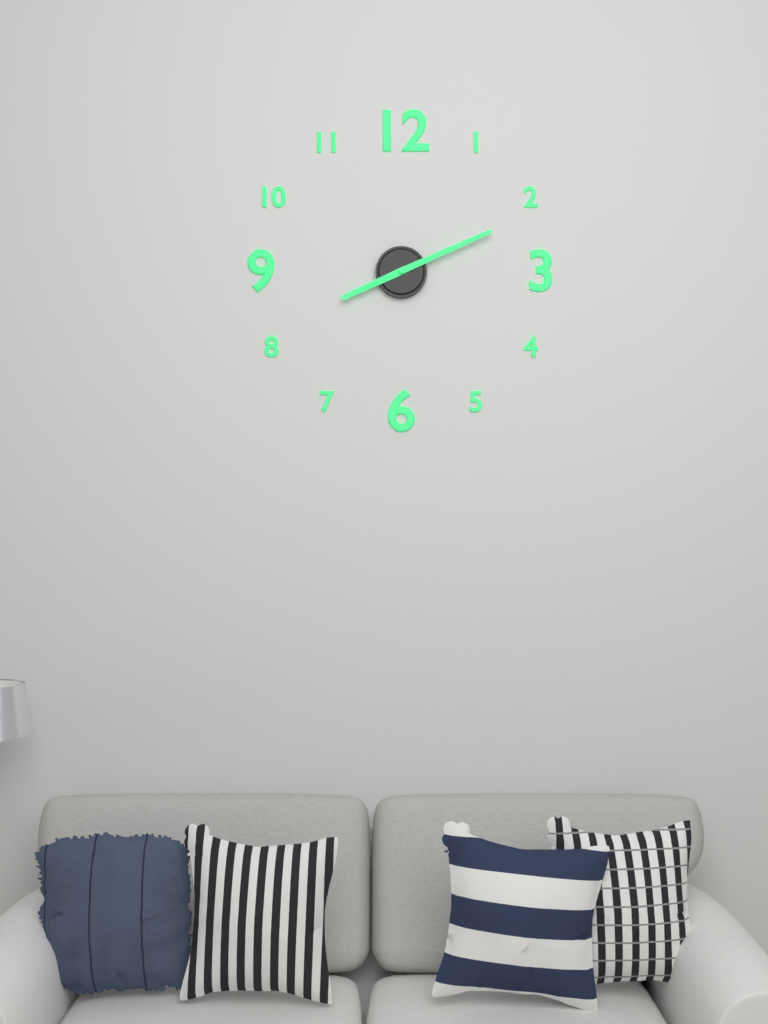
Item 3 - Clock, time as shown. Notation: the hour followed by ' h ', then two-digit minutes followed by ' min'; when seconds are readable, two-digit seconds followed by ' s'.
8 h 11 min 11 s
